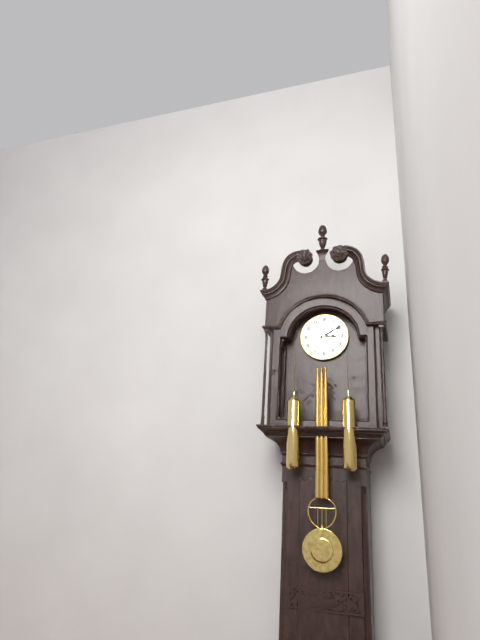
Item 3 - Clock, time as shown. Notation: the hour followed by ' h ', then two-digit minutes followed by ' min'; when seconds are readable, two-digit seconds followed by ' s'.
3 h 10 min
